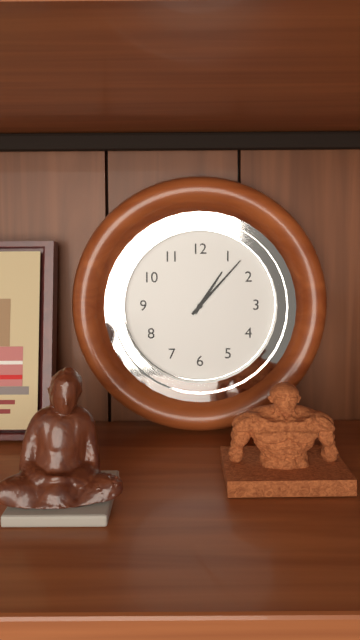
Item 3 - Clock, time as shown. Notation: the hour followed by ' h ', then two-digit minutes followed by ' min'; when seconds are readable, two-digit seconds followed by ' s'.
1 h 07 min
